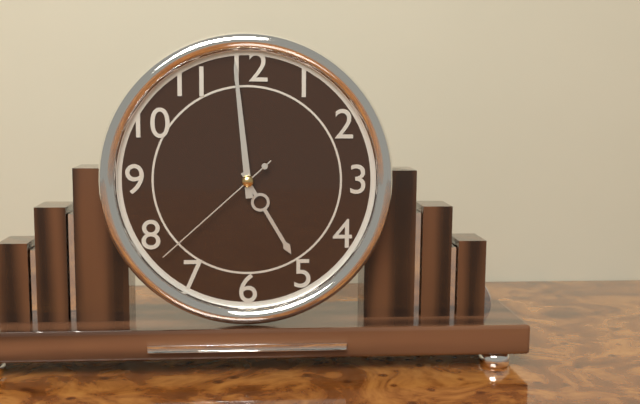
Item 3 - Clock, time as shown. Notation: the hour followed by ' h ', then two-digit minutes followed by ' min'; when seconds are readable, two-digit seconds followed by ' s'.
4 h 59 min 38 s
